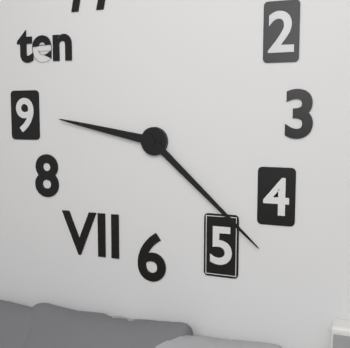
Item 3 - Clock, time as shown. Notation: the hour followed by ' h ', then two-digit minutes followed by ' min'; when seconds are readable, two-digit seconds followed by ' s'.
9 h 22 min
